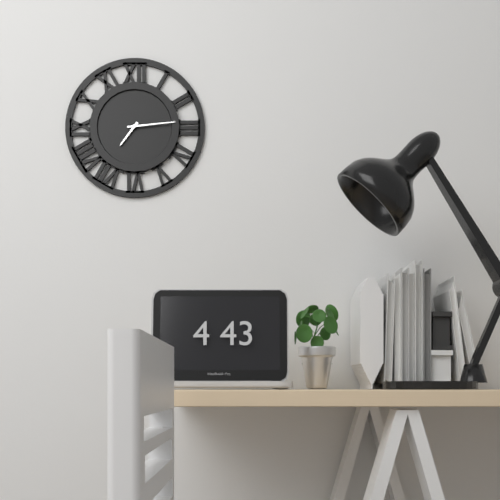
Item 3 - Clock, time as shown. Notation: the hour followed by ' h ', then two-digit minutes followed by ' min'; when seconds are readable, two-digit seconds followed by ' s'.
7 h 14 min
